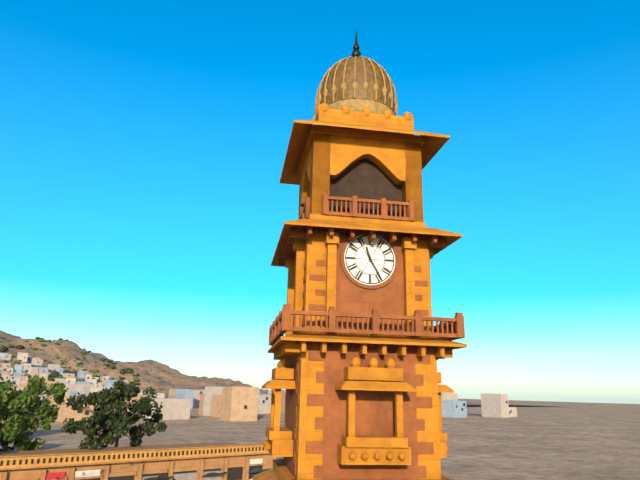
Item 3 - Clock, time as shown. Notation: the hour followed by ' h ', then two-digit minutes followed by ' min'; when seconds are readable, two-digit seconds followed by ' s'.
11 h 25 min
